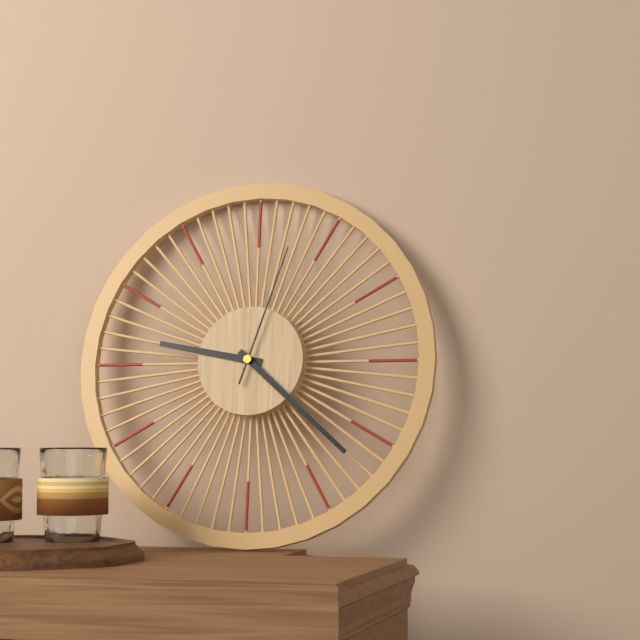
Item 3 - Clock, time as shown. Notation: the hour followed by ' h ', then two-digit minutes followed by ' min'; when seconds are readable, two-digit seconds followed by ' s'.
9 h 22 min 03 s
